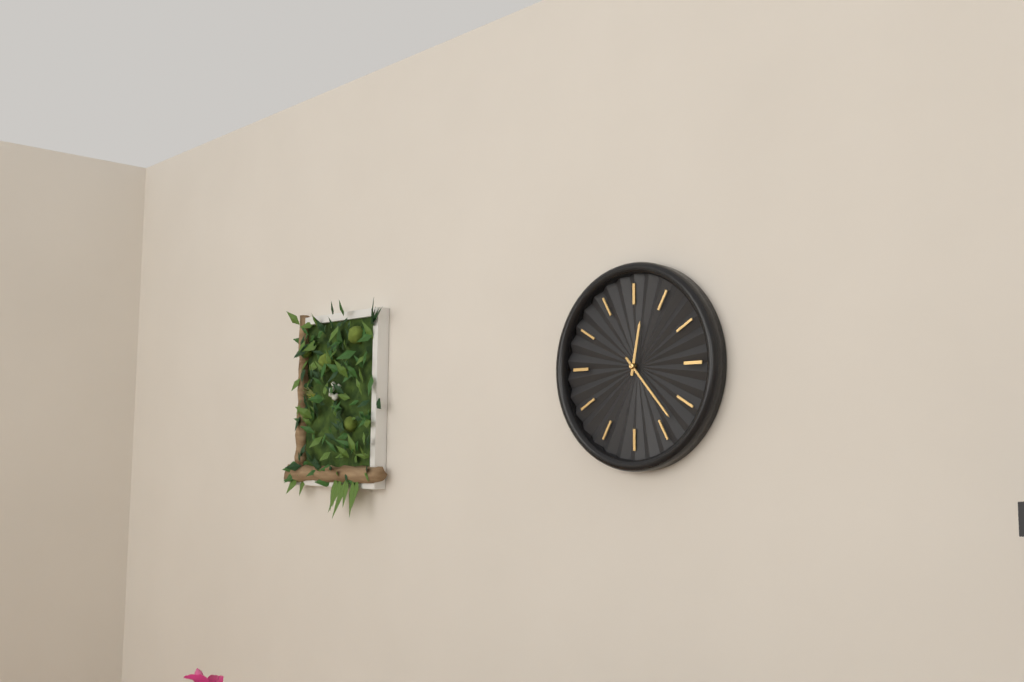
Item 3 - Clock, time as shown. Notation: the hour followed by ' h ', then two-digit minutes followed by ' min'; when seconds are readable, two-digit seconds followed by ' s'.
12 h 23 min
